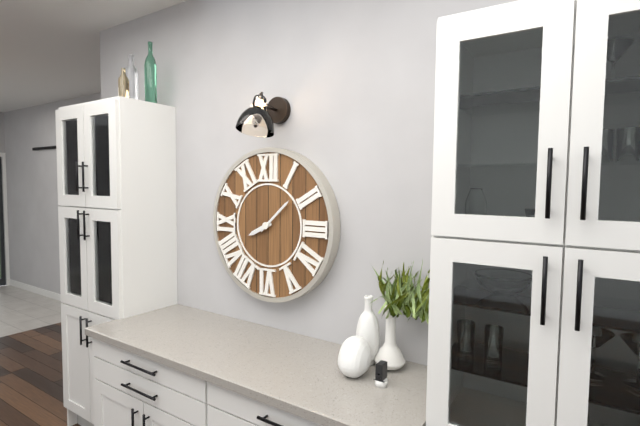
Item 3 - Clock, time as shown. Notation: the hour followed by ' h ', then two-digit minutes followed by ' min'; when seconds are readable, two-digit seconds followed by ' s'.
8 h 08 min
